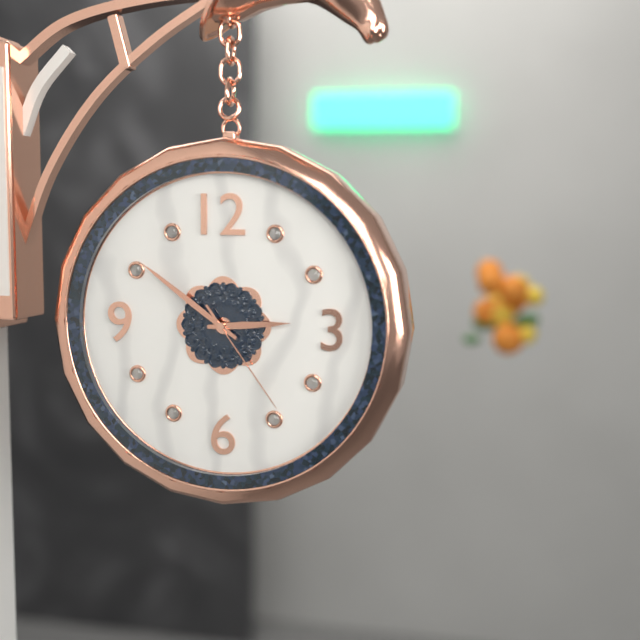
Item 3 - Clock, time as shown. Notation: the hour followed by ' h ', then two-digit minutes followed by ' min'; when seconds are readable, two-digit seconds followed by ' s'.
2 h 51 min 24 s
